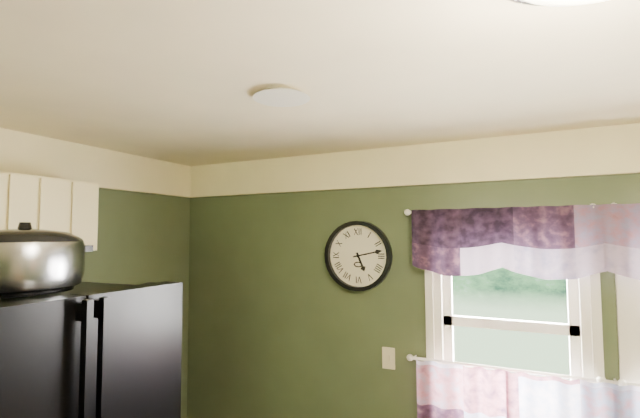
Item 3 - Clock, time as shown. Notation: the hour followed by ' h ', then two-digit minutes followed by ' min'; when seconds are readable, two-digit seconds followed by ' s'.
5 h 13 min
